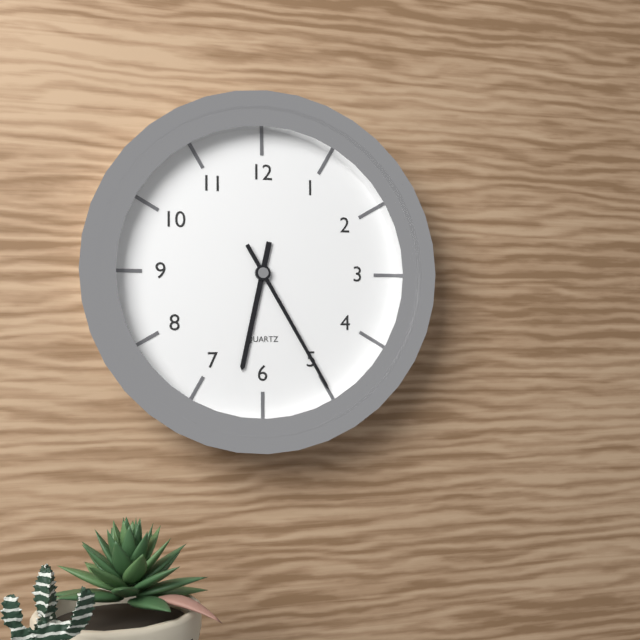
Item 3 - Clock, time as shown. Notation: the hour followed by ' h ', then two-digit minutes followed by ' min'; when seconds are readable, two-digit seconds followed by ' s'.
6 h 25 min
